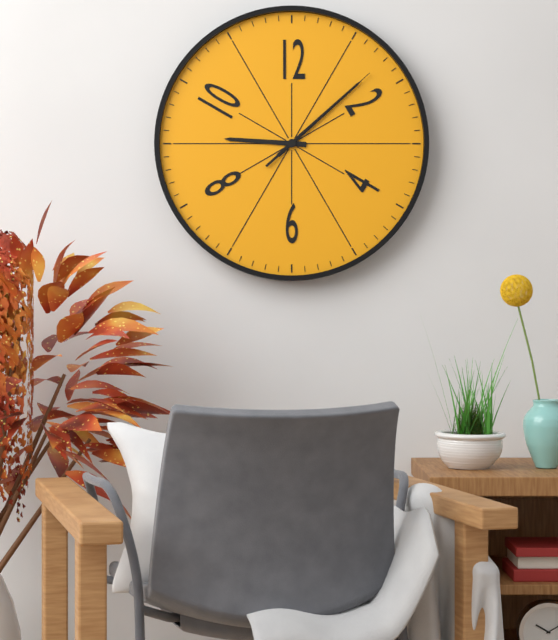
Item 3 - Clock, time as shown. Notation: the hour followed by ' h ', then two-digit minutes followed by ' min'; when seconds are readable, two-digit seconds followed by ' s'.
9 h 08 min 08 s
